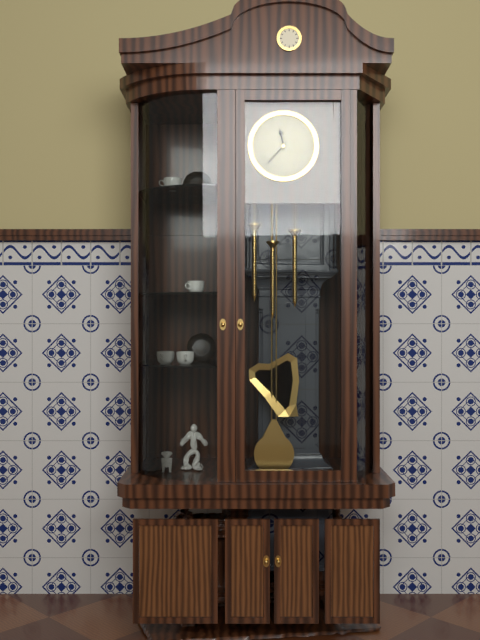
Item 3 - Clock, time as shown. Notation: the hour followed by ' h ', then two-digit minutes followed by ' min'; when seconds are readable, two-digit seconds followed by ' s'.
11 h 37 min
